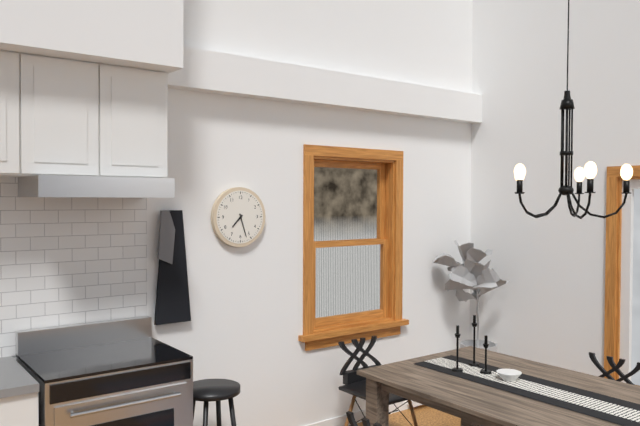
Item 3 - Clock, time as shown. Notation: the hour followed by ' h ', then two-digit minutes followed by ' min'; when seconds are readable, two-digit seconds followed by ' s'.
7 h 27 min
